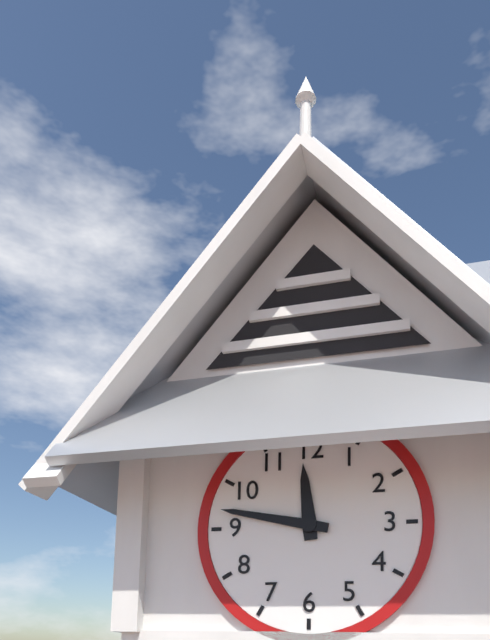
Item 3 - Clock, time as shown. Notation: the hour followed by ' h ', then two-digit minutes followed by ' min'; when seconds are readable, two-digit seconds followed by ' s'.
11 h 47 min
